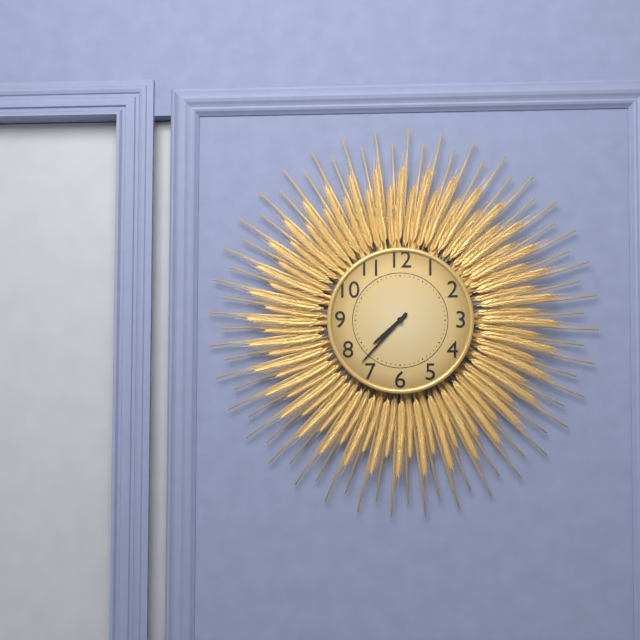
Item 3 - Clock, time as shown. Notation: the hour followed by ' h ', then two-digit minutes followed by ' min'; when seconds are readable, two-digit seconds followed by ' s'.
7 h 37 min
